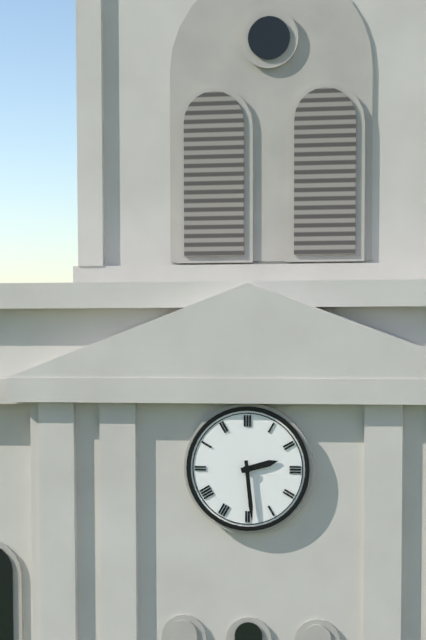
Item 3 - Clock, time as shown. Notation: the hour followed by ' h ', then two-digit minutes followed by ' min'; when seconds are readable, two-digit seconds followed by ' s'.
2 h 29 min
